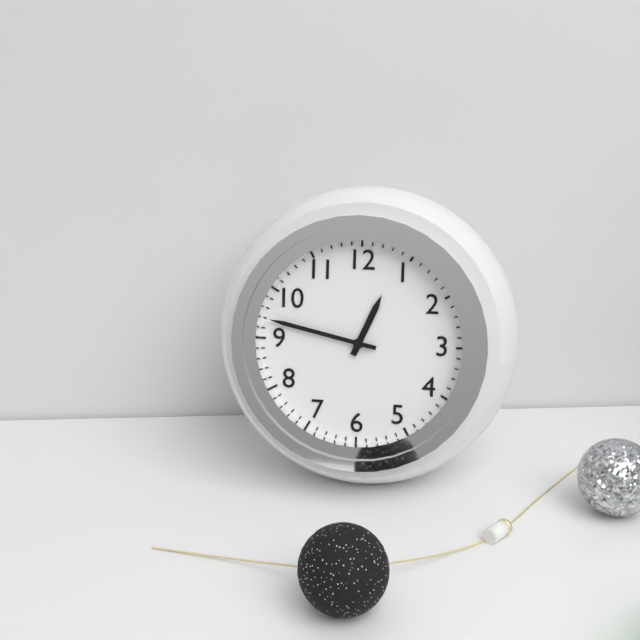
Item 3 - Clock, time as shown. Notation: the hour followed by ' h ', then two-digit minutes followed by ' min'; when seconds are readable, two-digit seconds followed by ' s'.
12 h 47 min
